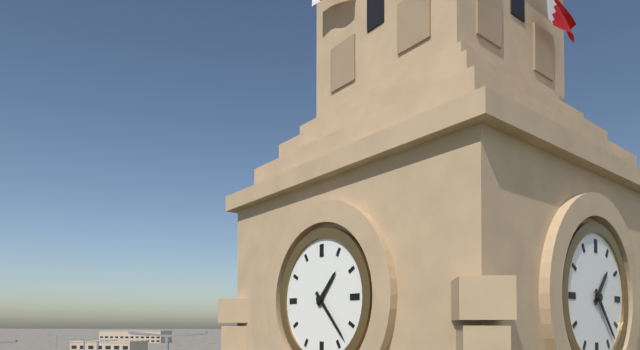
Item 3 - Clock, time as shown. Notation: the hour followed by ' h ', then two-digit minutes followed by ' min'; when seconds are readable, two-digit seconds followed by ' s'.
1 h 23 min
